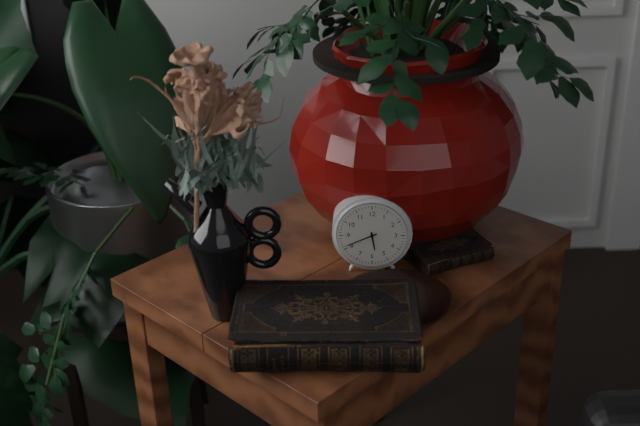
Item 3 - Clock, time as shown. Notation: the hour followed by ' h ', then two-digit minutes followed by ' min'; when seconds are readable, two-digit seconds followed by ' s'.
5 h 41 min
